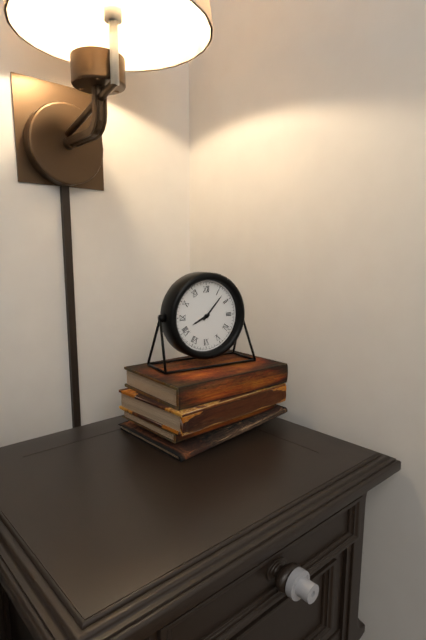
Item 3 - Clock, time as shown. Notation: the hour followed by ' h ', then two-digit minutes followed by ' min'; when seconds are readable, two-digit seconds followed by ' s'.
8 h 07 min
